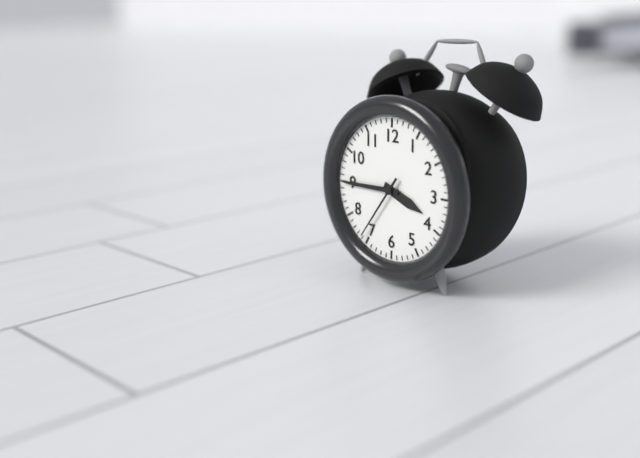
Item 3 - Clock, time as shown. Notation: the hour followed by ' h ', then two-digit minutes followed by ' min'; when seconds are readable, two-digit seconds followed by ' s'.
3 h 45 min 36 s
